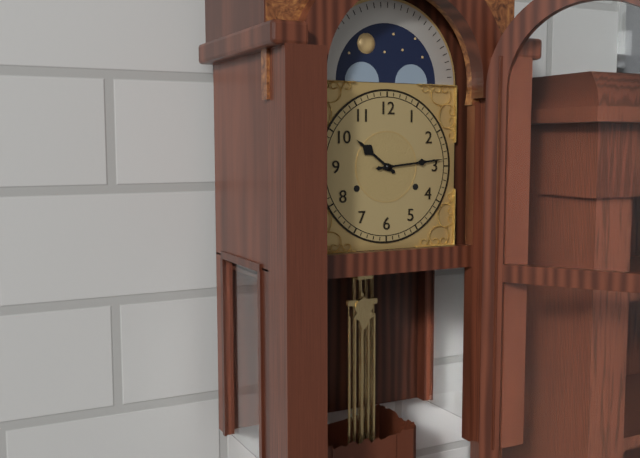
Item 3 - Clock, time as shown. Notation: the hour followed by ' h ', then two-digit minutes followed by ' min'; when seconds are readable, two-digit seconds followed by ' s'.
10 h 14 min
